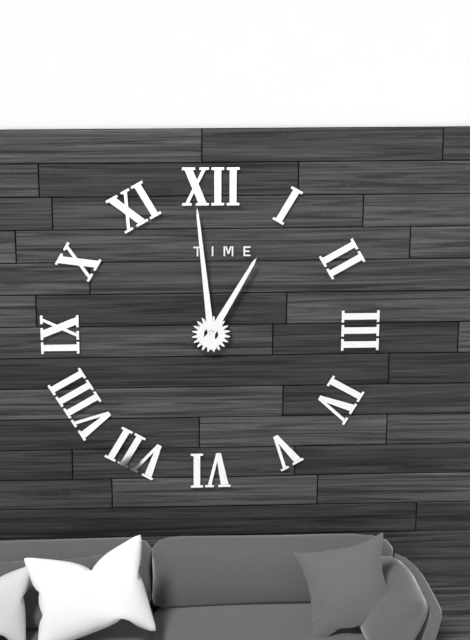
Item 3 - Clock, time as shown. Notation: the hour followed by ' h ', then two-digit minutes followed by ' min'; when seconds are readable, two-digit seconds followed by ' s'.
12 h 59 min
